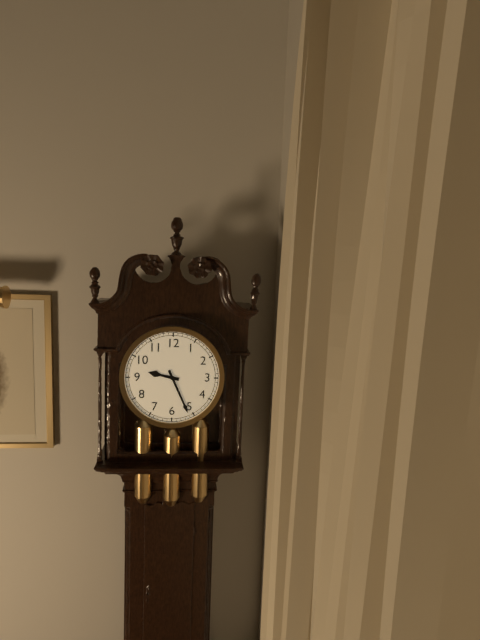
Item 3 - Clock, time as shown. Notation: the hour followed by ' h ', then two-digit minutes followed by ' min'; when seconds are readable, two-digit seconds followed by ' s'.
9 h 26 min
